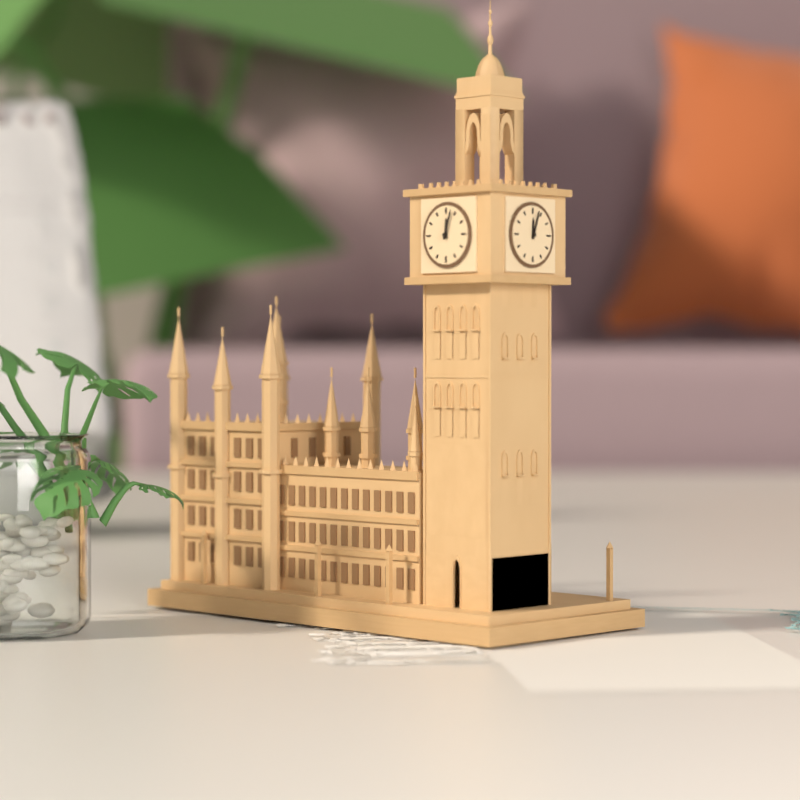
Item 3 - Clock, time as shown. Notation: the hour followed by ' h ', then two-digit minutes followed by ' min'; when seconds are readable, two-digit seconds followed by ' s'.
12 h 03 min
